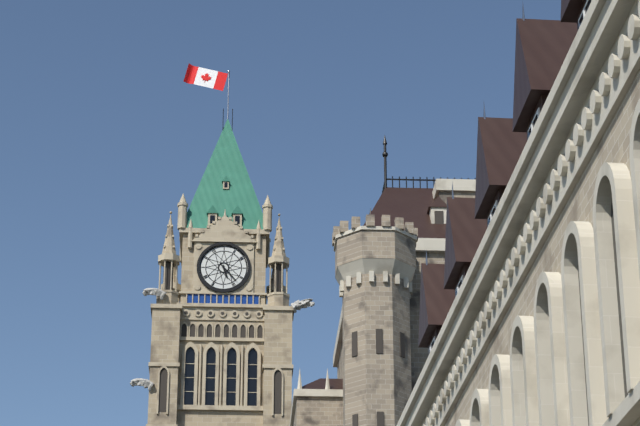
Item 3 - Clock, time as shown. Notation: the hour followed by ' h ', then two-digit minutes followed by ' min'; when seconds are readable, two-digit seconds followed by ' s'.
5 h 23 min
